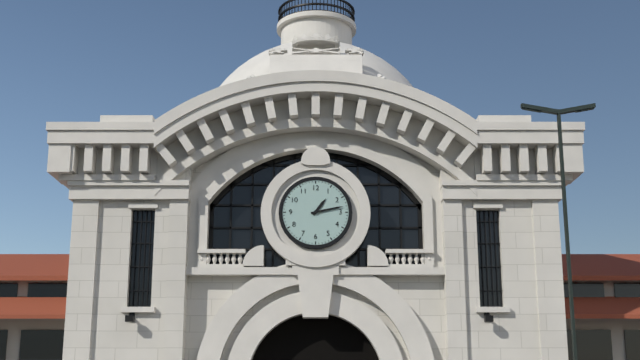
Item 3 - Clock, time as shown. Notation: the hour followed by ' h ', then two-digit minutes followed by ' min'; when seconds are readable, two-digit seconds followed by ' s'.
1 h 13 min
